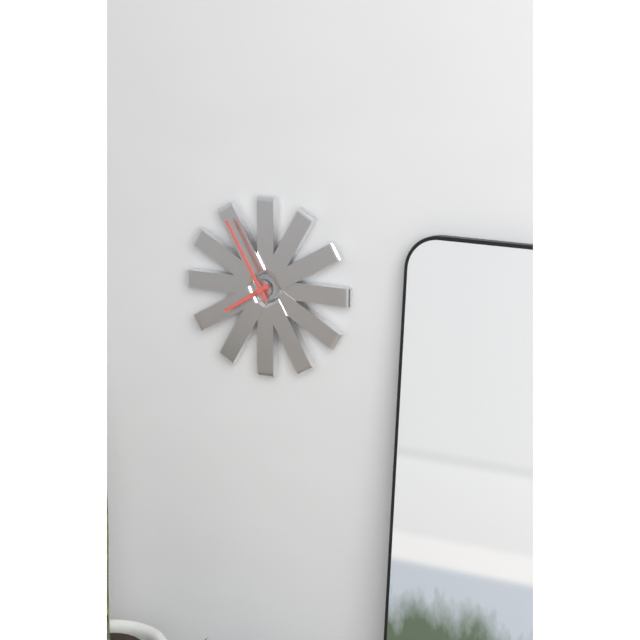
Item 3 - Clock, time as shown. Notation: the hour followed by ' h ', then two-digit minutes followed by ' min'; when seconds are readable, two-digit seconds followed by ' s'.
7 h 55 min
